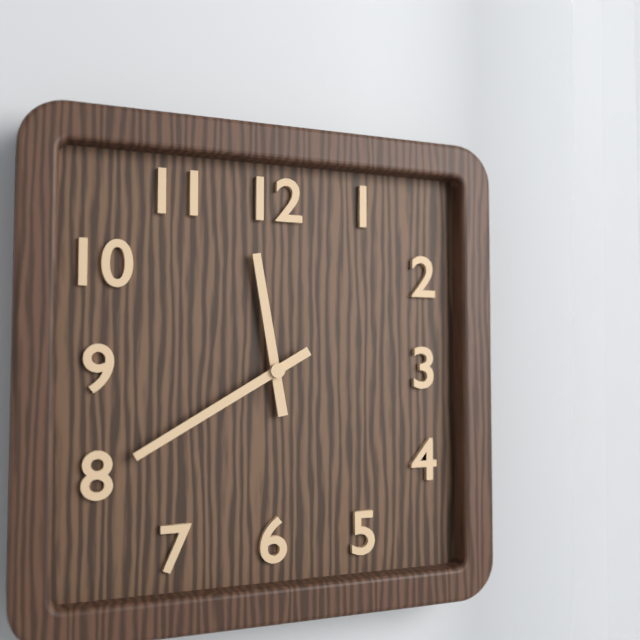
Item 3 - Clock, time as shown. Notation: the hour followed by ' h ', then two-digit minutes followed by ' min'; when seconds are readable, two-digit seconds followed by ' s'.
11 h 40 min
